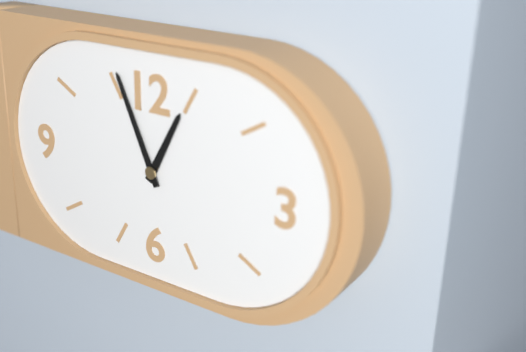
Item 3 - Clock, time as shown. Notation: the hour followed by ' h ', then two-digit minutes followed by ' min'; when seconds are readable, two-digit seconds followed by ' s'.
12 h 56 min
